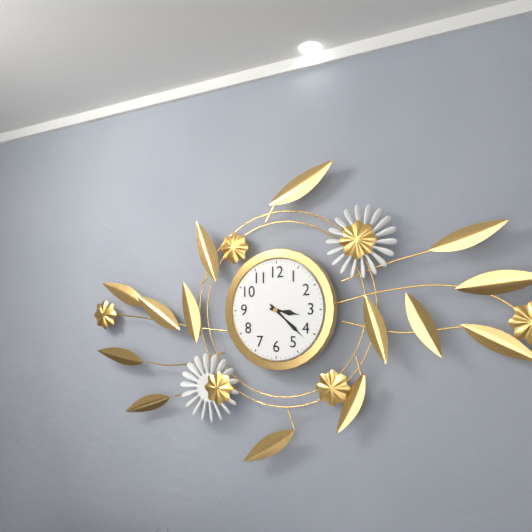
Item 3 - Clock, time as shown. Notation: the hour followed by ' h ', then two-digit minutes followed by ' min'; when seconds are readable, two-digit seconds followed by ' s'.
3 h 22 min
